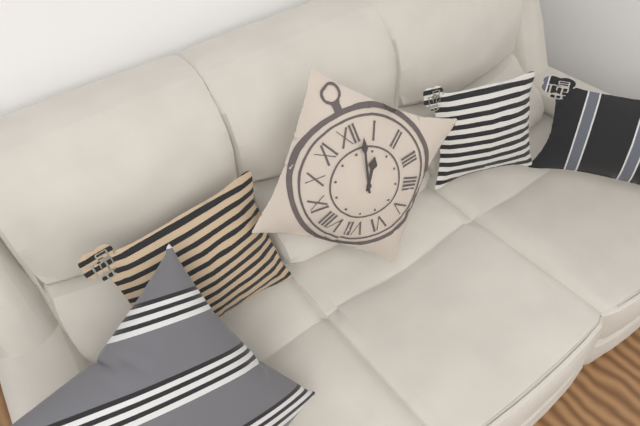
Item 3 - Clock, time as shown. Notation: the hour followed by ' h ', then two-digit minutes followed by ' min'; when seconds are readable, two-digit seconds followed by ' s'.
1 h 02 min
